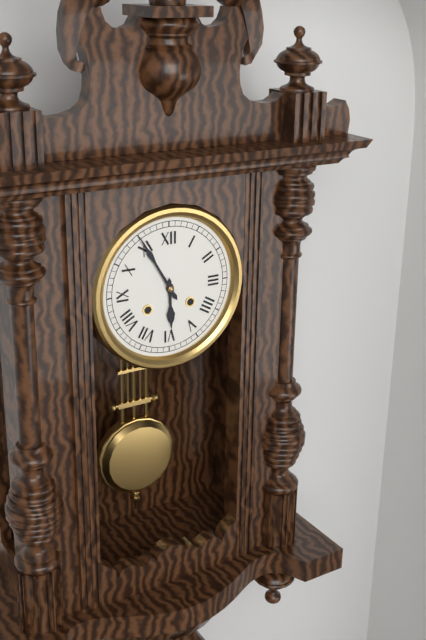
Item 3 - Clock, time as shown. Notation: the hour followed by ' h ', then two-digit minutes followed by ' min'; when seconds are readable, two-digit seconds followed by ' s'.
5 h 55 min
